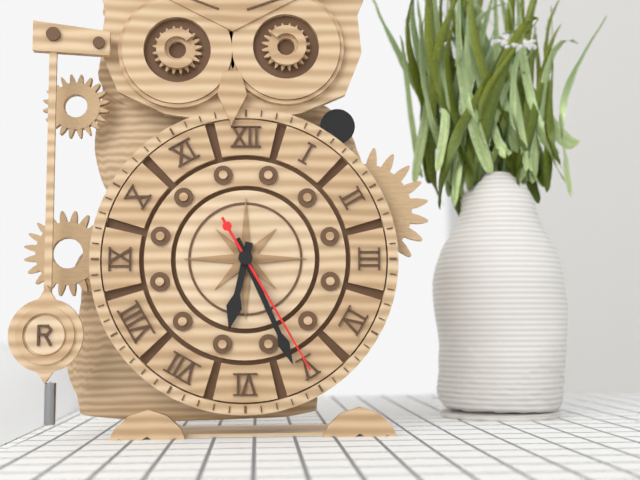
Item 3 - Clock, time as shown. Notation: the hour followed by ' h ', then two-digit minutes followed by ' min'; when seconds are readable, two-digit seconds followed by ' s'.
6 h 26 min 25 s
